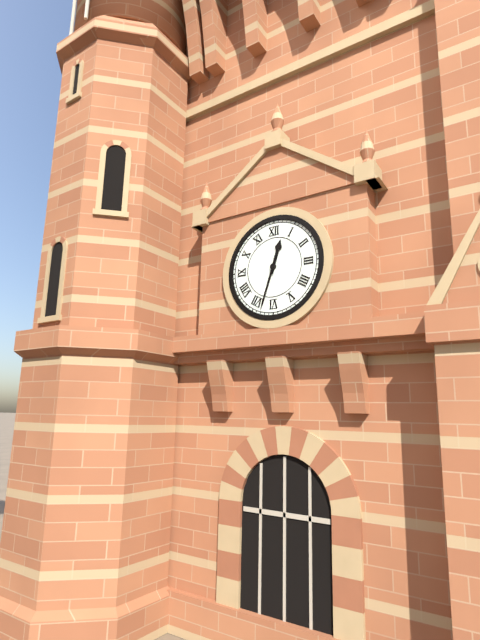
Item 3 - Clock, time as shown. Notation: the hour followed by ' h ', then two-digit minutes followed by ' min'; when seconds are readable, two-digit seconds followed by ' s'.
12 h 33 min
